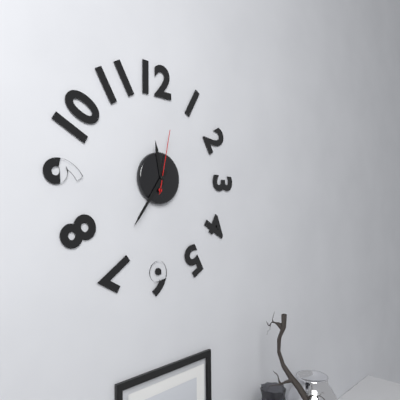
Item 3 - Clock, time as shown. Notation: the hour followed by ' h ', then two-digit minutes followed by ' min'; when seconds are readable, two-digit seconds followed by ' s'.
11 h 36 min 02 s
